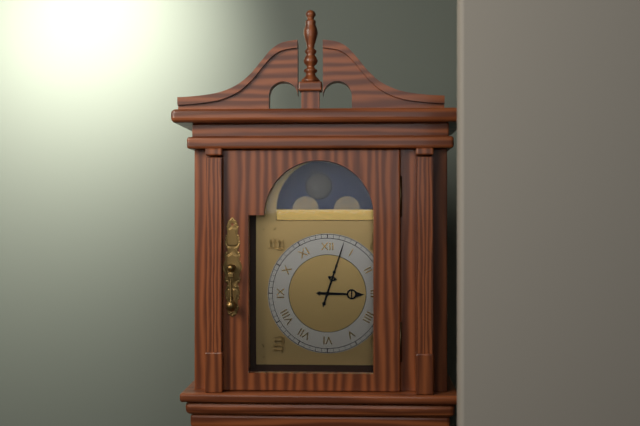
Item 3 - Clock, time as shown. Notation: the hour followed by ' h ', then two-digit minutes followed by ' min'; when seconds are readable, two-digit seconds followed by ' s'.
3 h 03 min
